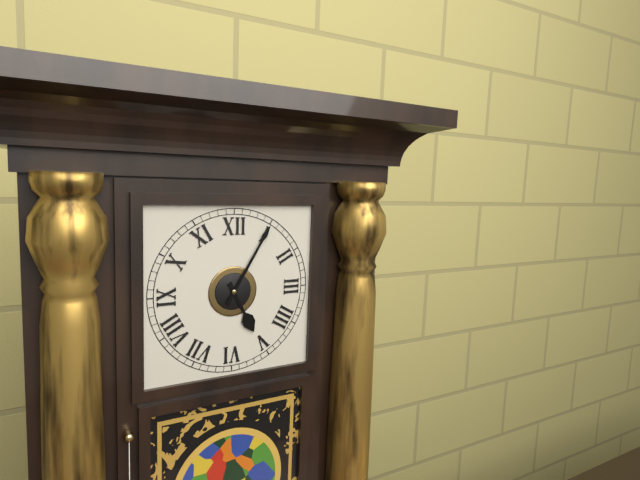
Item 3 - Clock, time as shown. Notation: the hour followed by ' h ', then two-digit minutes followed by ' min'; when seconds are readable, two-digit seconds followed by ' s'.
5 h 05 min
